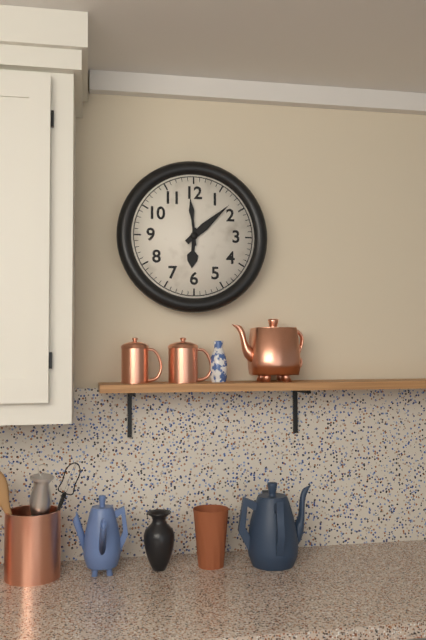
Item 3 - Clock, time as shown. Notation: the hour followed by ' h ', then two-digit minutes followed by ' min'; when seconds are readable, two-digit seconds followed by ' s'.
6 h 08 min
